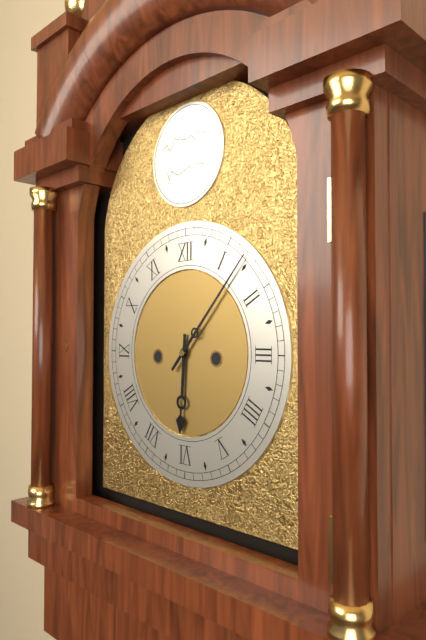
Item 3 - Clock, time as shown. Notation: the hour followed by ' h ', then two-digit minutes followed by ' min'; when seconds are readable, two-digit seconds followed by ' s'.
6 h 07 min
